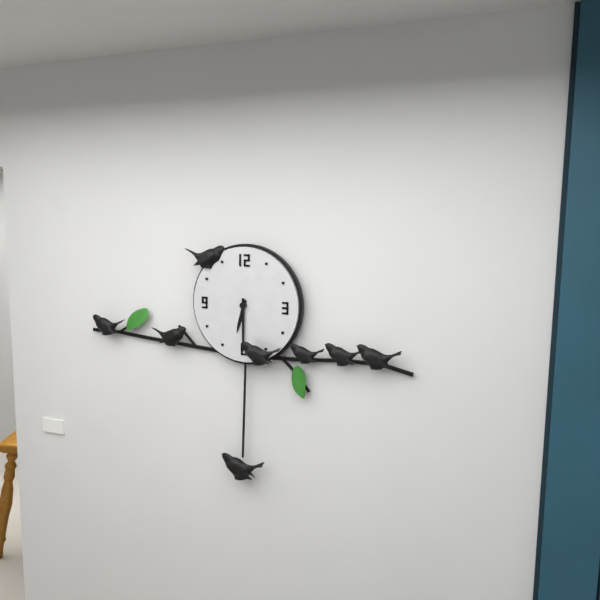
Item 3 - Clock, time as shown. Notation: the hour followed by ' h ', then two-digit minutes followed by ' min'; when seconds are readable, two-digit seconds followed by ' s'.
6 h 30 min
